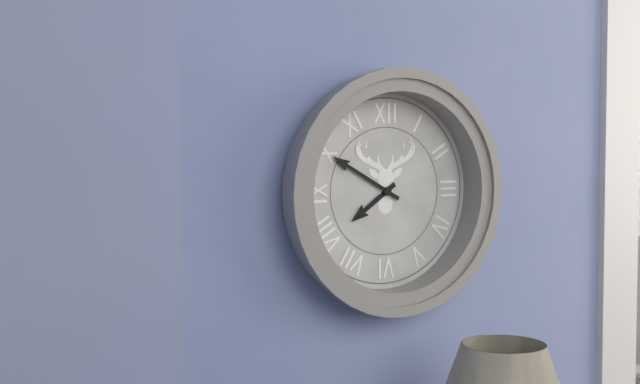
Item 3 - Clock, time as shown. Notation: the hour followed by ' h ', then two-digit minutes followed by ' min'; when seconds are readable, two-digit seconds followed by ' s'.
7 h 50 min
